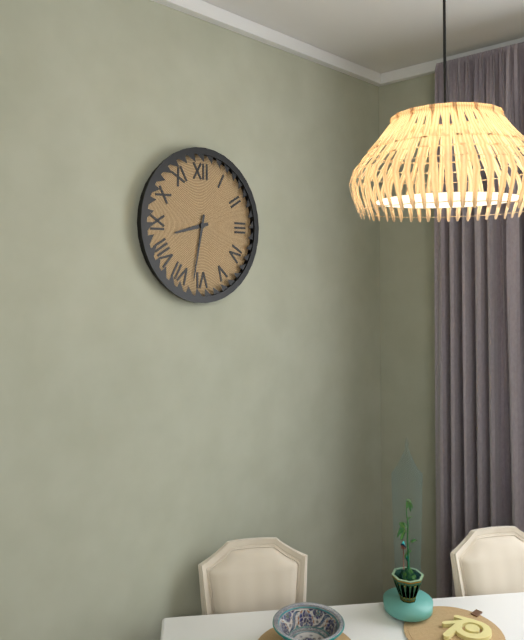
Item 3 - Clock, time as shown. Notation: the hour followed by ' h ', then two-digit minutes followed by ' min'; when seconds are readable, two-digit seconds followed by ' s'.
8 h 32 min
